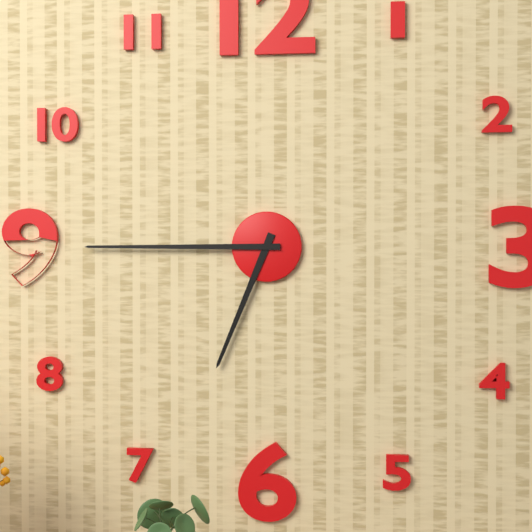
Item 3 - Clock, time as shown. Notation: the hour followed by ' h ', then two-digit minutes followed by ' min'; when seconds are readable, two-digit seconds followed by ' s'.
6 h 45 min
